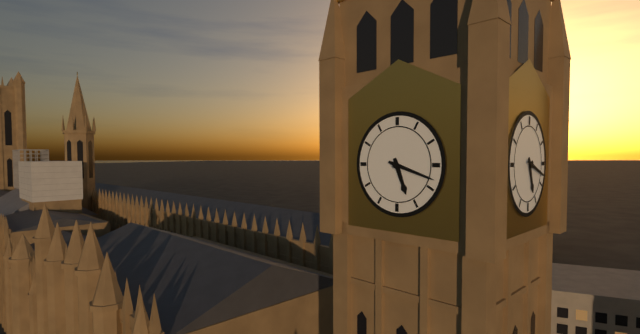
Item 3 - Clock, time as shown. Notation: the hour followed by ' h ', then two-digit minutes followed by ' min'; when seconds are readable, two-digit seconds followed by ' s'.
5 h 18 min
